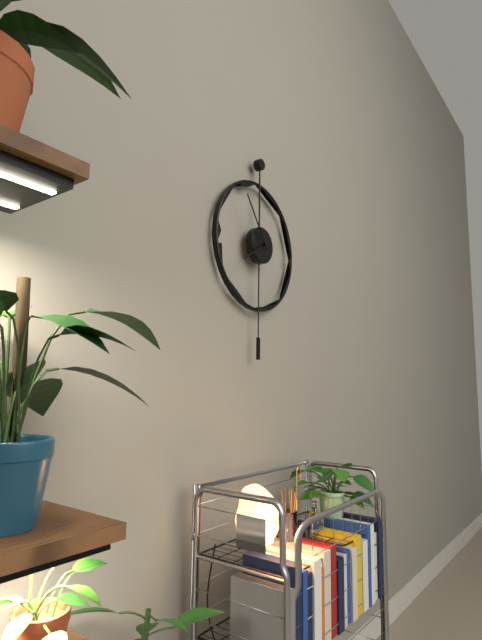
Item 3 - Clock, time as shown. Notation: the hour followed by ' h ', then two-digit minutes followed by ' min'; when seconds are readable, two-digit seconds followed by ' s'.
7 h 54 min
